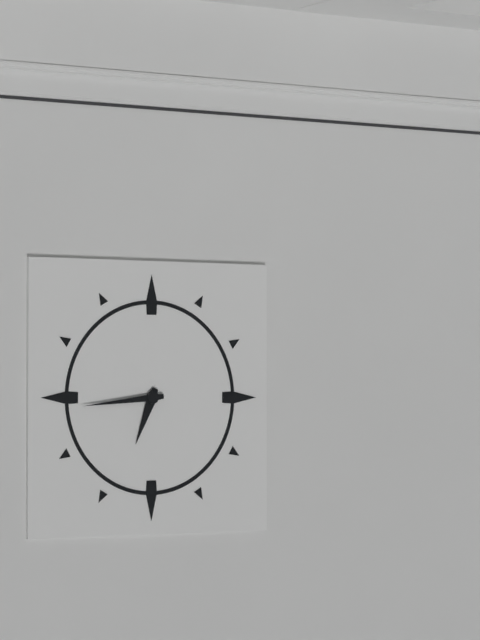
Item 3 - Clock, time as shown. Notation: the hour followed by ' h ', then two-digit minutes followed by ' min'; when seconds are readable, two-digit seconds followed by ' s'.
6 h 44 min
